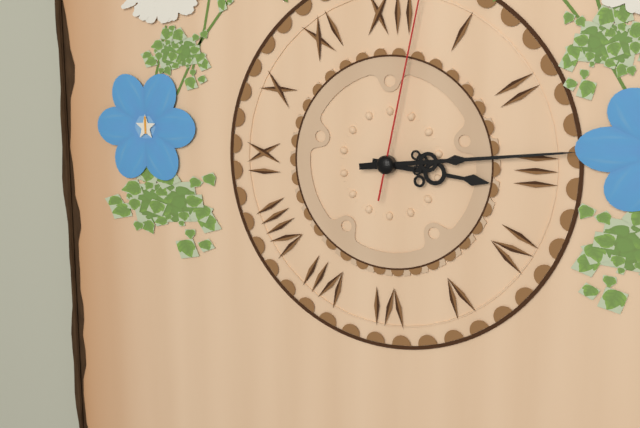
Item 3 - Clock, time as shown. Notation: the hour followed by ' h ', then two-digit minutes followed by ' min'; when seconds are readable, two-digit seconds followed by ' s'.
3 h 14 min
